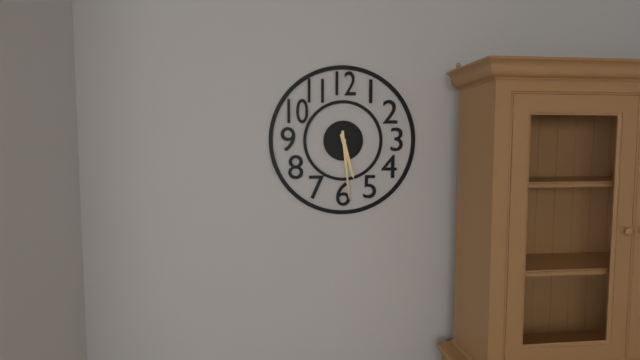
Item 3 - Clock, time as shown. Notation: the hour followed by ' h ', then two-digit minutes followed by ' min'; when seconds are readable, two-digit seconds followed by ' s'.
5 h 29 min
